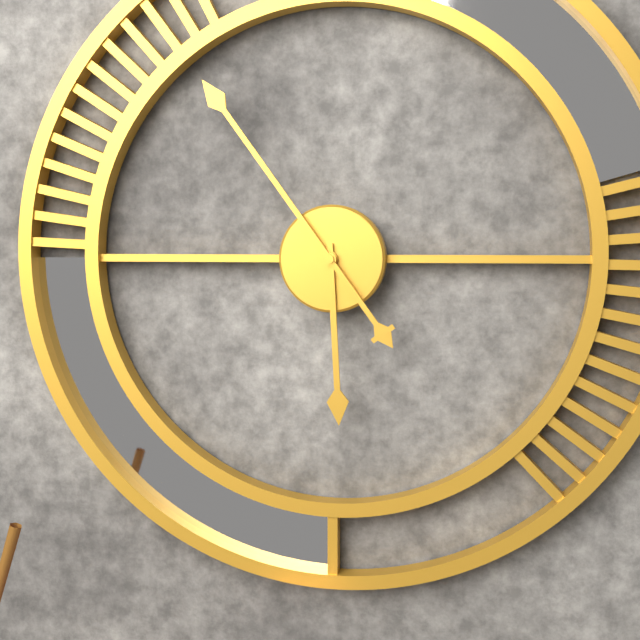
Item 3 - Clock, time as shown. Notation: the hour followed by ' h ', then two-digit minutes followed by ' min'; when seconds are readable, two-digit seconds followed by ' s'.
5 h 54 min
